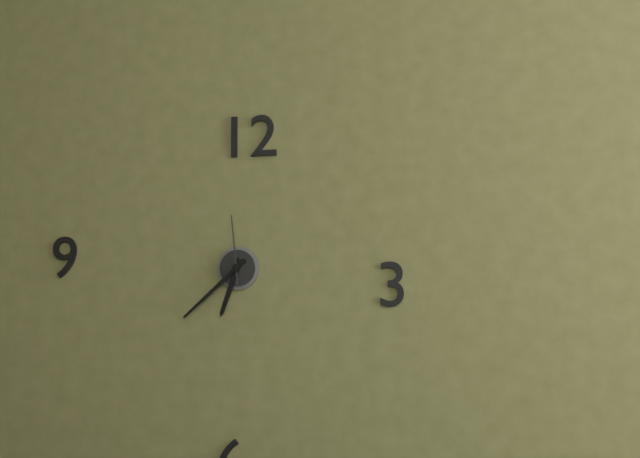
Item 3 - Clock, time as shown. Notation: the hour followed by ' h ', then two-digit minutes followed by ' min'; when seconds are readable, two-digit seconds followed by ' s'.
6 h 38 min 59 s
